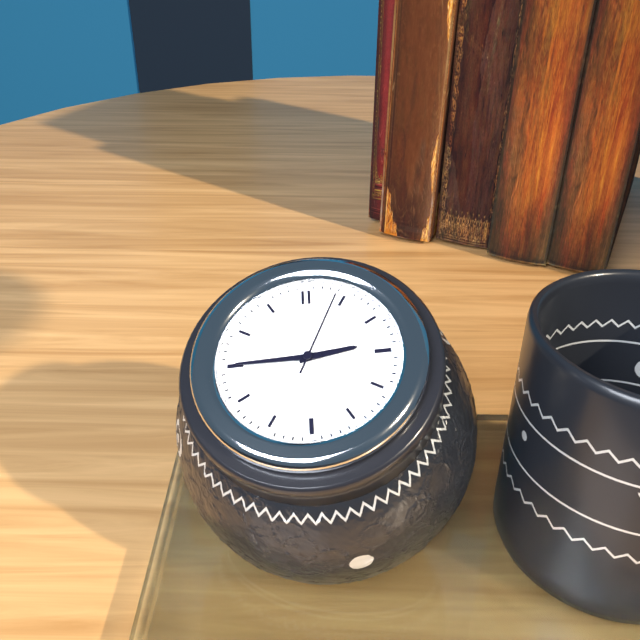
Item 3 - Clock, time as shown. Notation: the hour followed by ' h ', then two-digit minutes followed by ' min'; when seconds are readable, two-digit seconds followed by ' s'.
2 h 45 min 04 s
